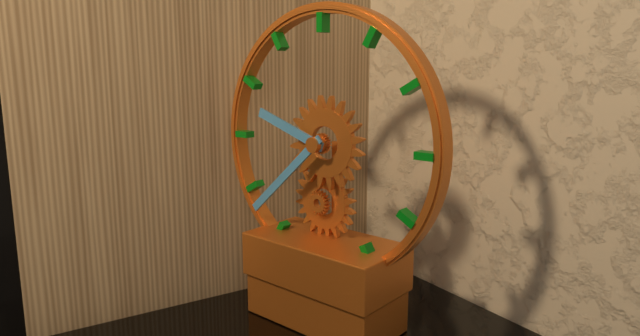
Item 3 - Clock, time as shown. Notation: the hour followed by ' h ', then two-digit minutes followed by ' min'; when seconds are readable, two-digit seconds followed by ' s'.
9 h 38 min
